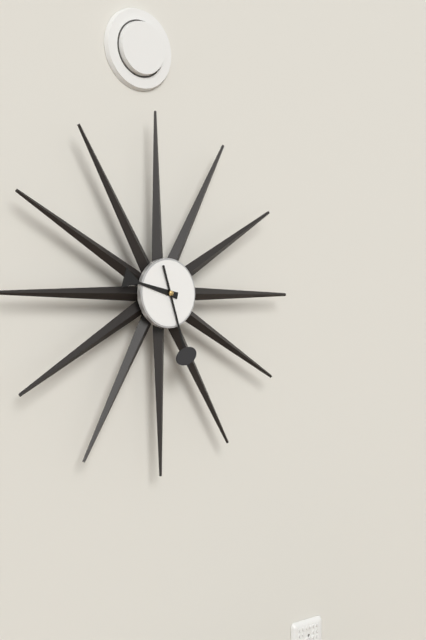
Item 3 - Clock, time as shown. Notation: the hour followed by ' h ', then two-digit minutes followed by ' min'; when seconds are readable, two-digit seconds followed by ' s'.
9 h 27 min
